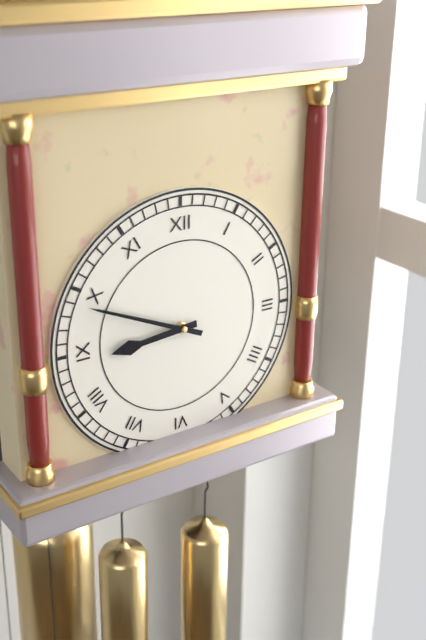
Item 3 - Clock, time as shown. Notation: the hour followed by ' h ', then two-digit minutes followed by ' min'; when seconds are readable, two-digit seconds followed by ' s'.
8 h 49 min
